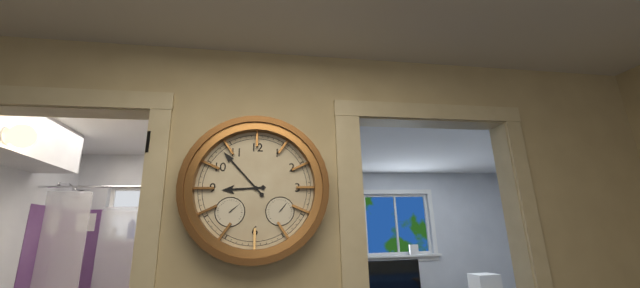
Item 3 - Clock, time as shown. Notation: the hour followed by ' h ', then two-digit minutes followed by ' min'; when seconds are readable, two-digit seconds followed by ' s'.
8 h 53 min
